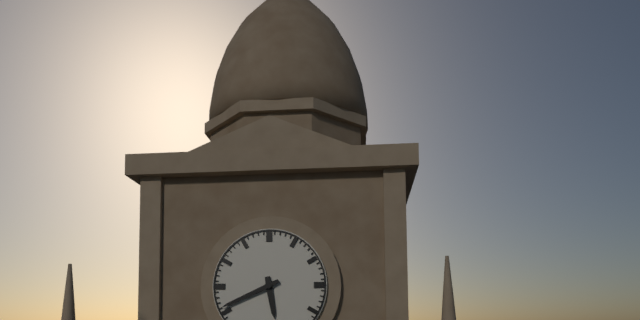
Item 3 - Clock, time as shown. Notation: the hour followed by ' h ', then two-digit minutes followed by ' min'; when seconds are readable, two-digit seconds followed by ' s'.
5 h 41 min
